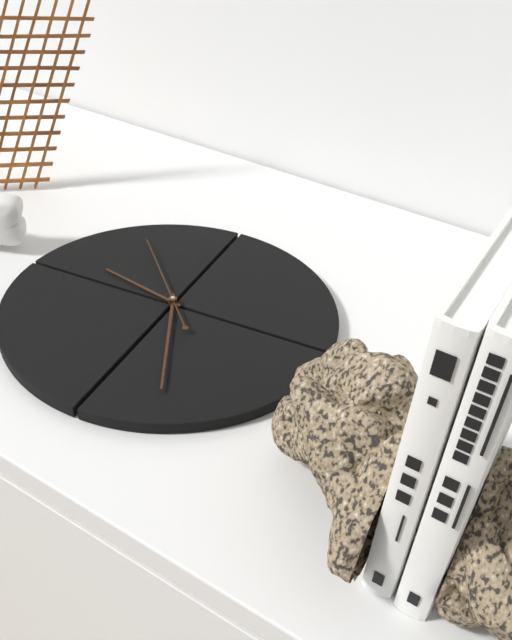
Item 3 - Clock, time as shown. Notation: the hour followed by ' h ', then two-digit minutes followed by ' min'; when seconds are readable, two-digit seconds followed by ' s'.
9 h 26 min 53 s
